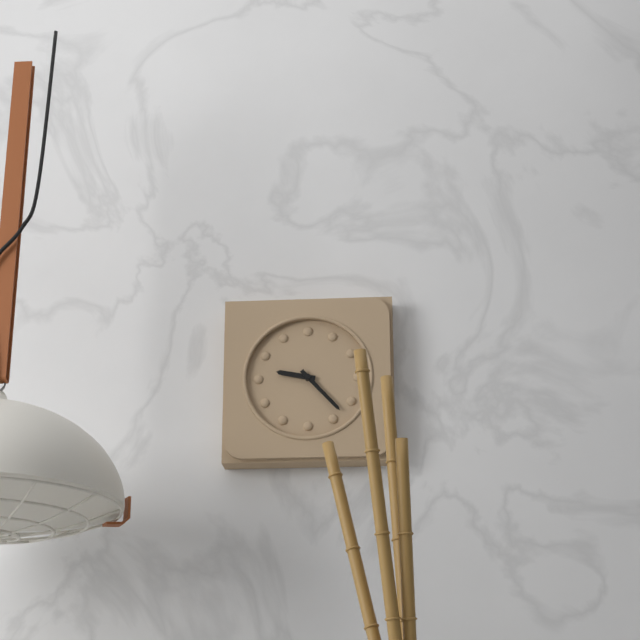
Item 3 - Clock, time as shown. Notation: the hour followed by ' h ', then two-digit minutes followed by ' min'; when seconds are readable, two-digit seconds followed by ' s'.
9 h 23 min
